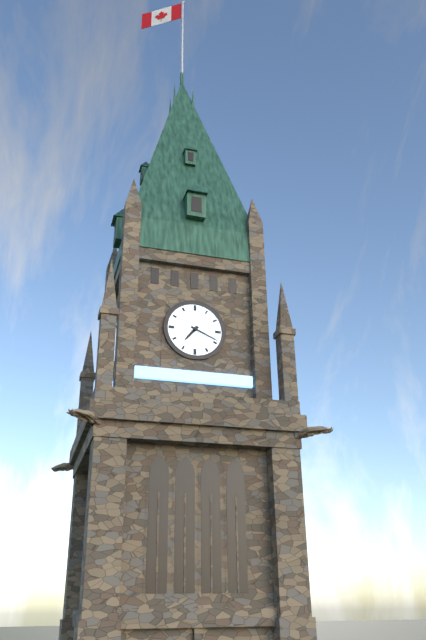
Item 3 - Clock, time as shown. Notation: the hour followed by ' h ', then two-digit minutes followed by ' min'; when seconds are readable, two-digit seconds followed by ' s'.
7 h 19 min
